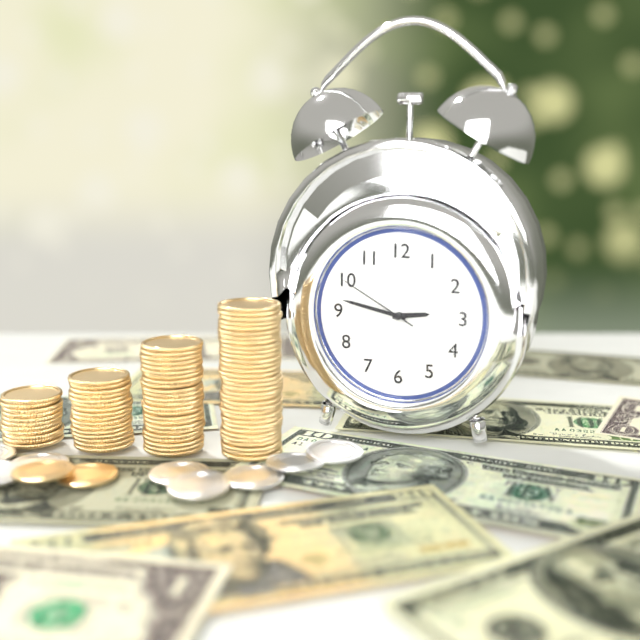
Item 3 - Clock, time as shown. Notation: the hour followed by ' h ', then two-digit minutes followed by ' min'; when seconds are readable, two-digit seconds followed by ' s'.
2 h 47 min 50 s
